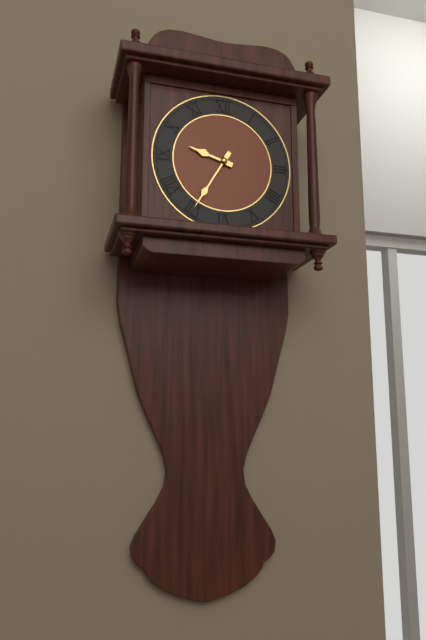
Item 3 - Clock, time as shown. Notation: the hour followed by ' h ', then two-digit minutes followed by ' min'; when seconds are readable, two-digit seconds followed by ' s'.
9 h 35 min
